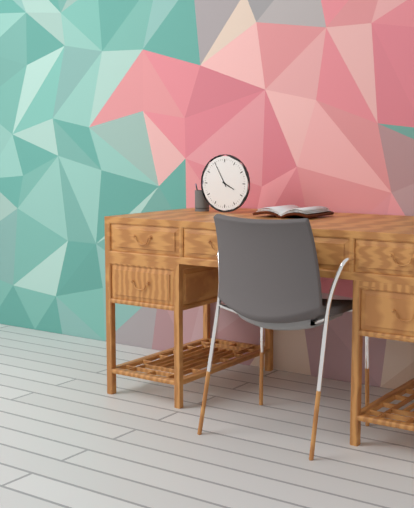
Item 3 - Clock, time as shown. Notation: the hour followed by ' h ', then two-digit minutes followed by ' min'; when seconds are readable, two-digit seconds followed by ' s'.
3 h 55 min
